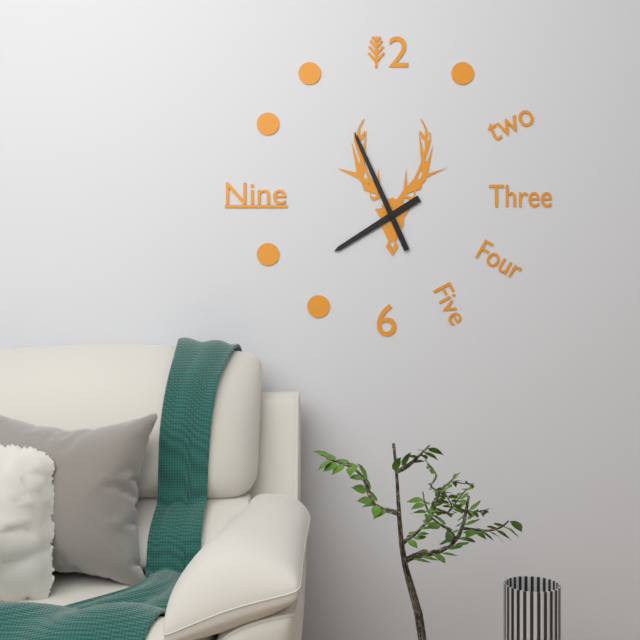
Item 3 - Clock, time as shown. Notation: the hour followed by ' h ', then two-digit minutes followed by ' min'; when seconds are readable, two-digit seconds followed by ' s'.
7 h 56 min
